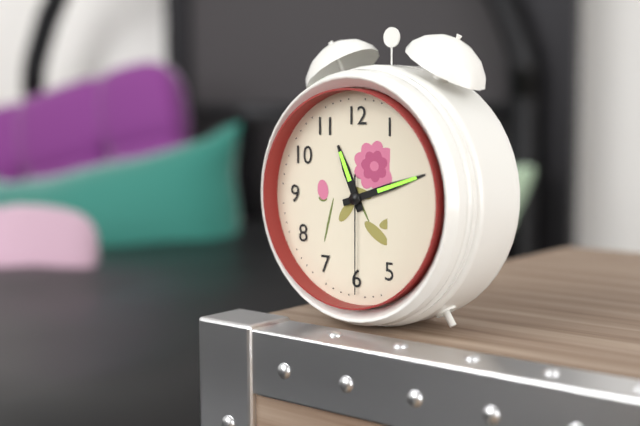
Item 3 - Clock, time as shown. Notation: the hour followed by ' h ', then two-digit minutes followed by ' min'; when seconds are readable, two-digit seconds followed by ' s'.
11 h 12 min 30 s
